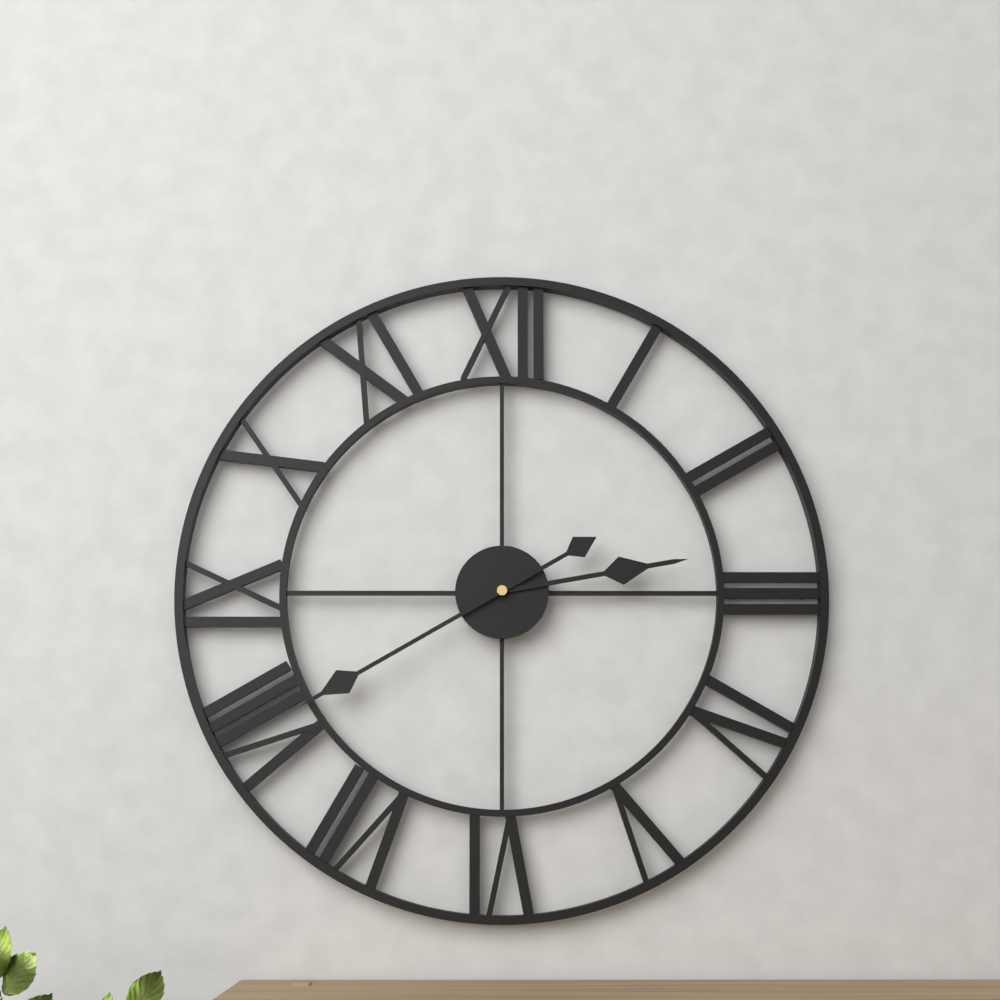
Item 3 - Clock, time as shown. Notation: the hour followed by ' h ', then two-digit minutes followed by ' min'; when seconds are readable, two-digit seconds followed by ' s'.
2 h 40 min
